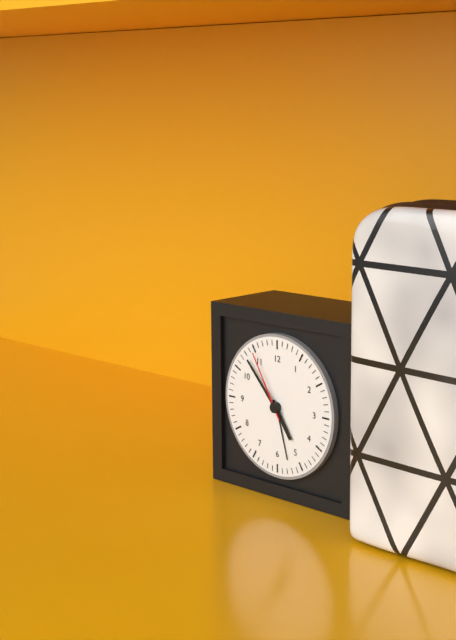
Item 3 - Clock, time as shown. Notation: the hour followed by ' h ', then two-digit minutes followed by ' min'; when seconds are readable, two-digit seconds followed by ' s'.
4 h 53 min 55 s
